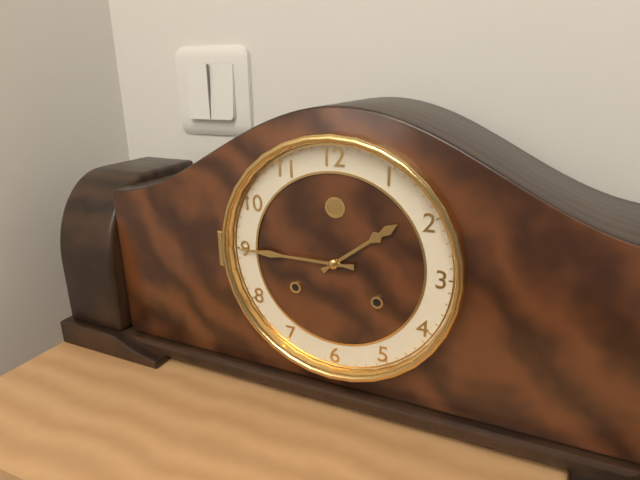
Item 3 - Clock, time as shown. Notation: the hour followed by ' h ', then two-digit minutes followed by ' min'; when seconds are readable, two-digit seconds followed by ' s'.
1 h 45 min
